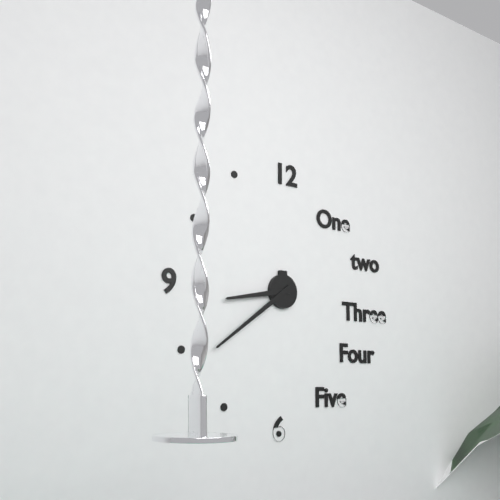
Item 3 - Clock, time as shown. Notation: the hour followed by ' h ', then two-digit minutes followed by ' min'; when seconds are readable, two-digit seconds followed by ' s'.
8 h 39 min
